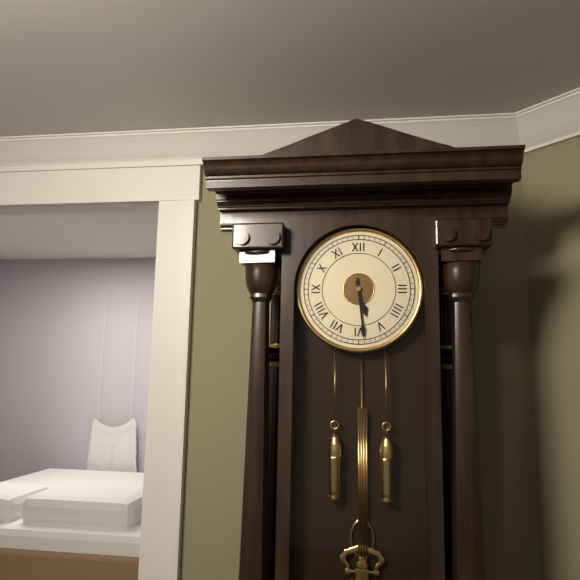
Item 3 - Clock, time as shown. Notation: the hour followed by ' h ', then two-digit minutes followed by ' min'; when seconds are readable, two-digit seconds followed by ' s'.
5 h 29 min
